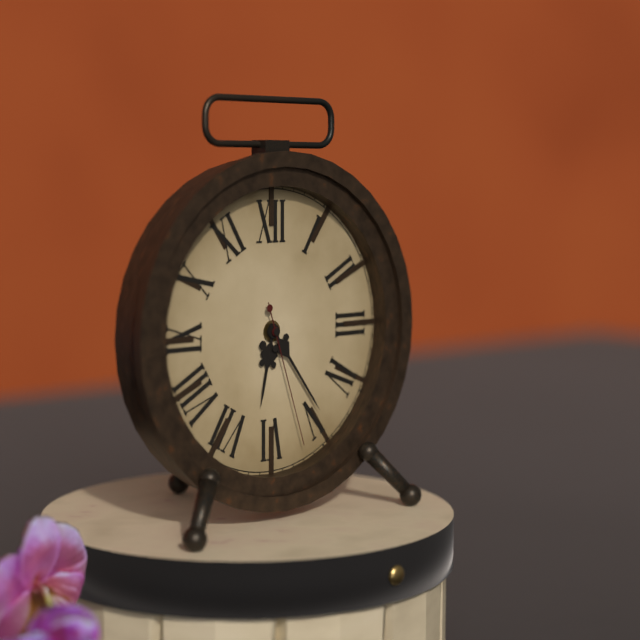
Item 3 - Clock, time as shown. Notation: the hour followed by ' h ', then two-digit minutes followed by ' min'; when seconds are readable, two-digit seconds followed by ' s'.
6 h 24 min 27 s
